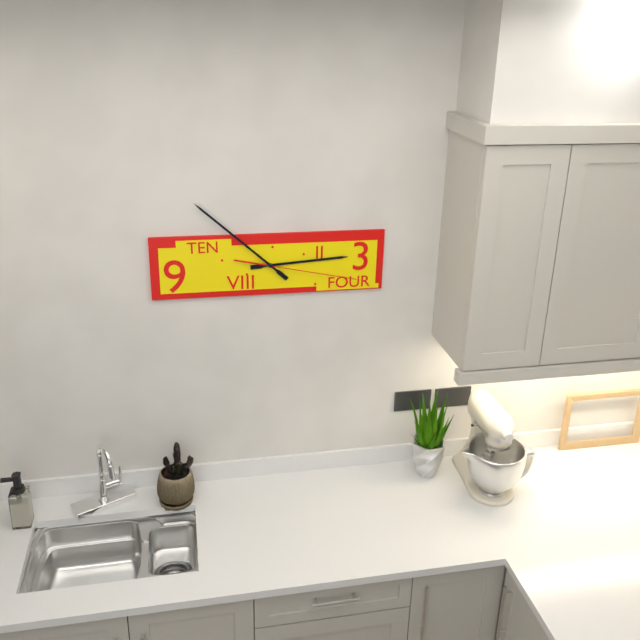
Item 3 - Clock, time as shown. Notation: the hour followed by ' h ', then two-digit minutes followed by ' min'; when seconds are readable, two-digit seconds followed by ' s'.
2 h 52 min 17 s
